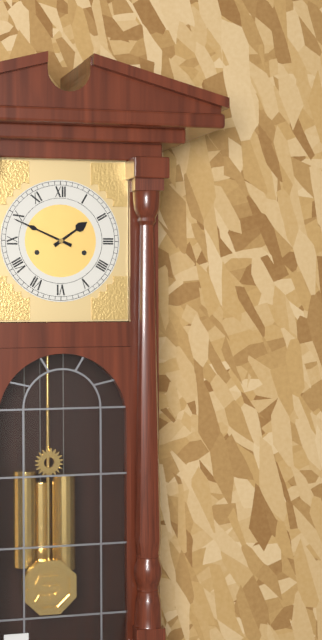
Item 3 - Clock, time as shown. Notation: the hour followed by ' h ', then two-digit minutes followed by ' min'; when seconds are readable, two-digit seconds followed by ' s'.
1 h 49 min
